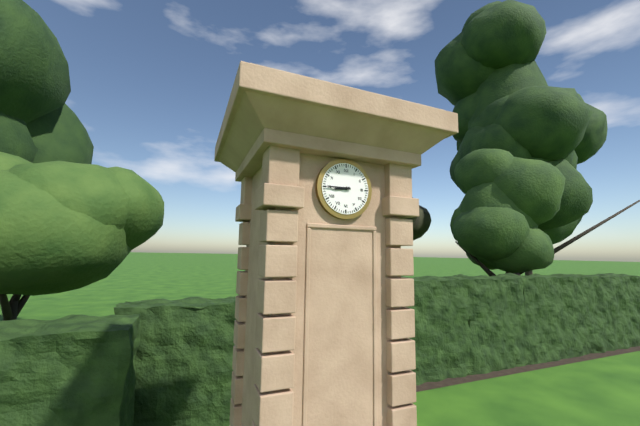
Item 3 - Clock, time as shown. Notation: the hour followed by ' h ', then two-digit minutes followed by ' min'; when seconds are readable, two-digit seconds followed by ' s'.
8 h 45 min
